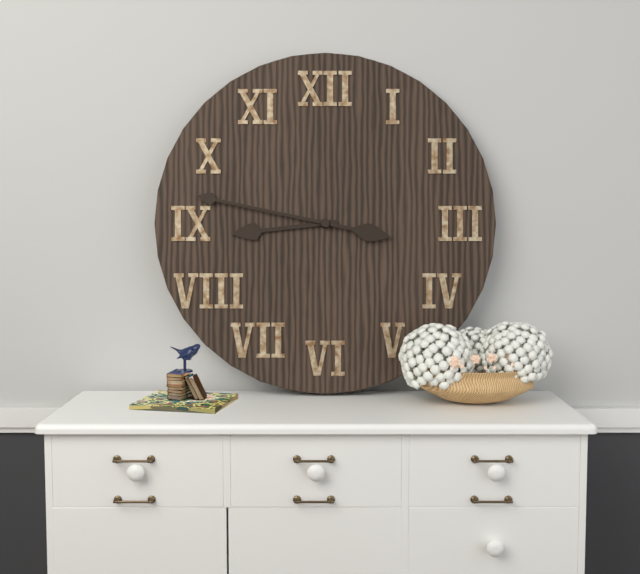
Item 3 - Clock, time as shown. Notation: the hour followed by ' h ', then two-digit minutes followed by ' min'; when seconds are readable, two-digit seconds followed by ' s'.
8 h 47 min
